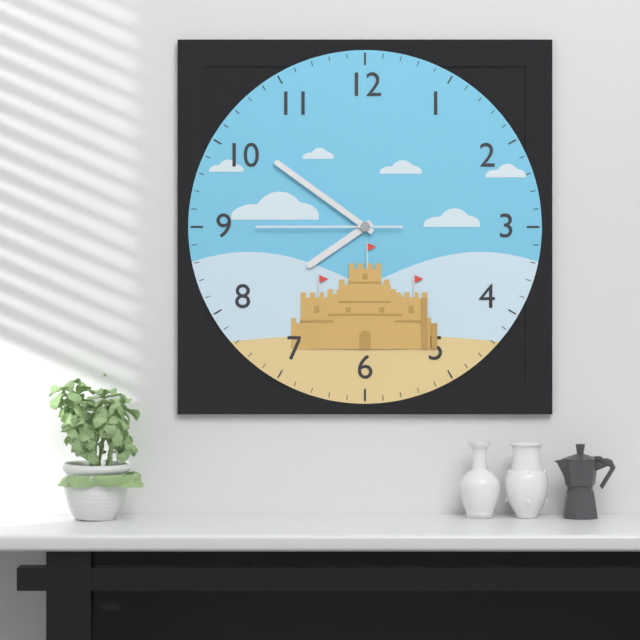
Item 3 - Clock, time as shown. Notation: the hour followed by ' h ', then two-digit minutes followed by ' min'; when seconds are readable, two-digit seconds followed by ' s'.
7 h 51 min 45 s
